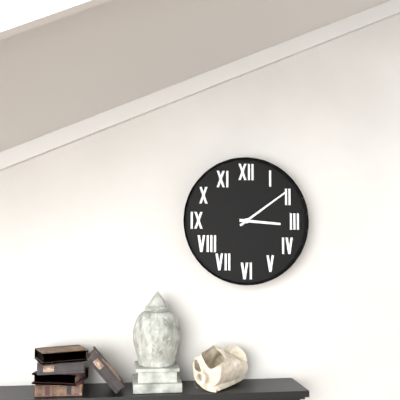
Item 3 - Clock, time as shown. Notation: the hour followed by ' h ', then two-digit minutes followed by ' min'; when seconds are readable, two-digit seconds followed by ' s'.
3 h 09 min
